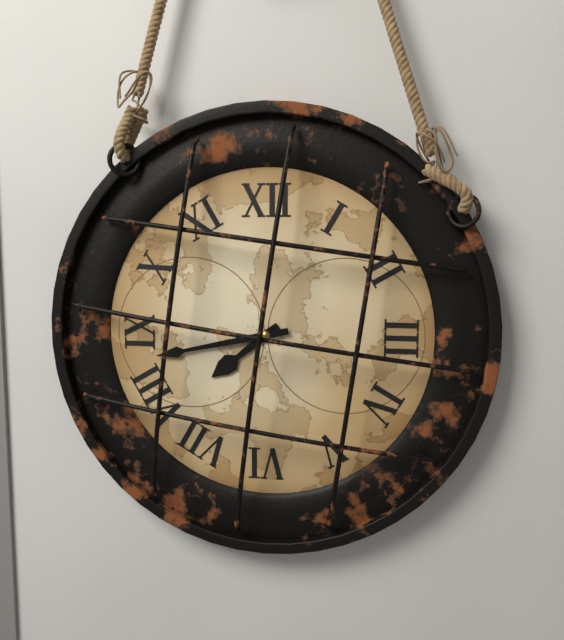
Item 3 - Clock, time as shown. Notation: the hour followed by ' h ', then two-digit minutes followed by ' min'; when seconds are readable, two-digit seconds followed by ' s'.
7 h 43 min
